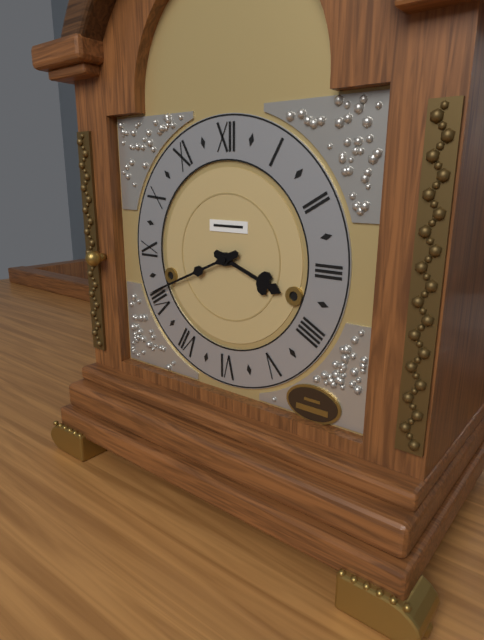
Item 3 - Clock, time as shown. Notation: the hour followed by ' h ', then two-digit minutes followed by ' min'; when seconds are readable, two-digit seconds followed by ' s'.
3 h 41 min
